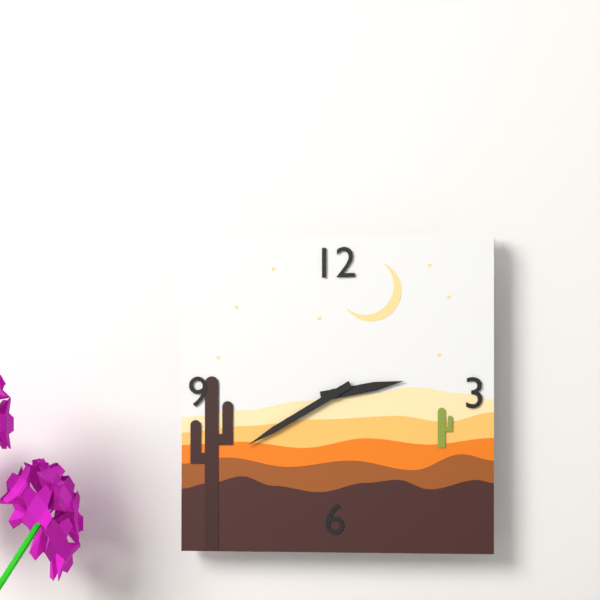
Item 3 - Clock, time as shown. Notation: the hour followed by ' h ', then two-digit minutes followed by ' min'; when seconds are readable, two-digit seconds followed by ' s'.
2 h 40 min
